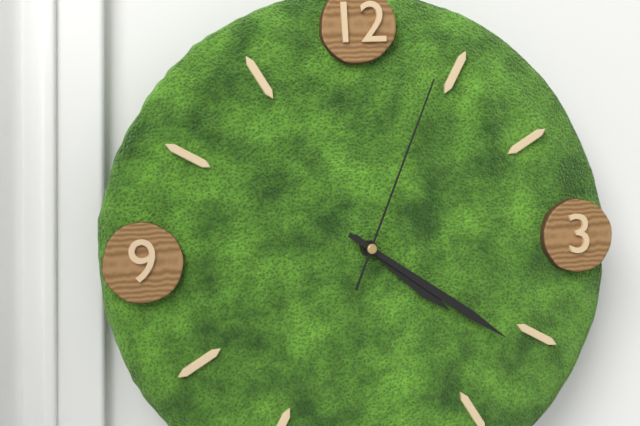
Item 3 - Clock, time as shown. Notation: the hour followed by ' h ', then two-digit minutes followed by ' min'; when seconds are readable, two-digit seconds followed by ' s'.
4 h 21 min 04 s
